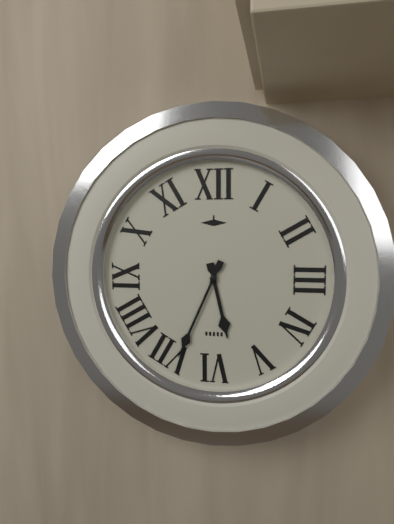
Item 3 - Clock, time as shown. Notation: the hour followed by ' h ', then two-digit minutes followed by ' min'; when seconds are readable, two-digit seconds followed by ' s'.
5 h 34 min
